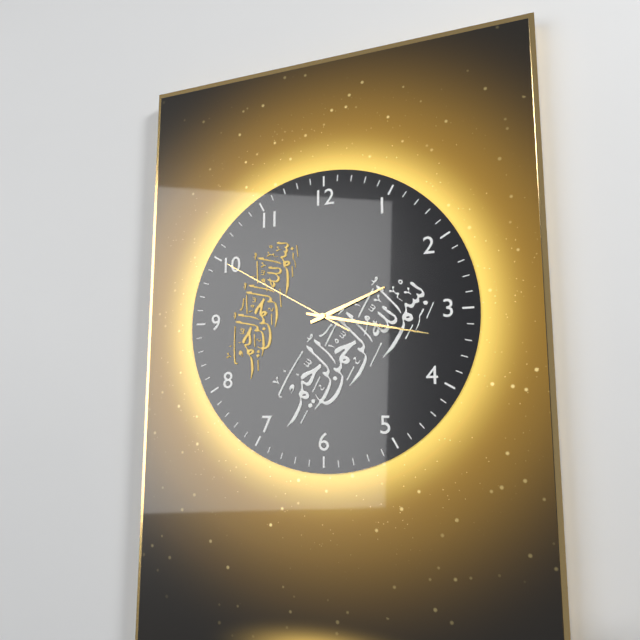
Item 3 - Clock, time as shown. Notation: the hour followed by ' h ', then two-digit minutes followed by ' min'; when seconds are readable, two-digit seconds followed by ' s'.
2 h 17 min 50 s
